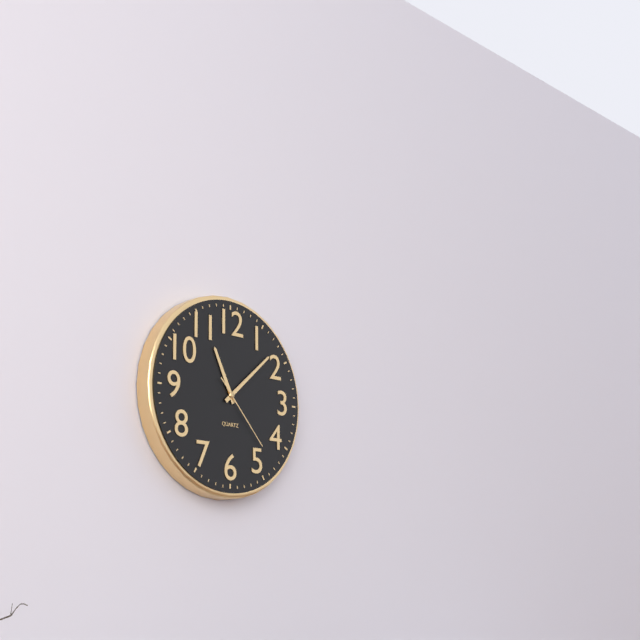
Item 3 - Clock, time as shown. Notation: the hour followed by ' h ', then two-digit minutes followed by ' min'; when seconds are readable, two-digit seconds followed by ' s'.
11 h 08 min 23 s
